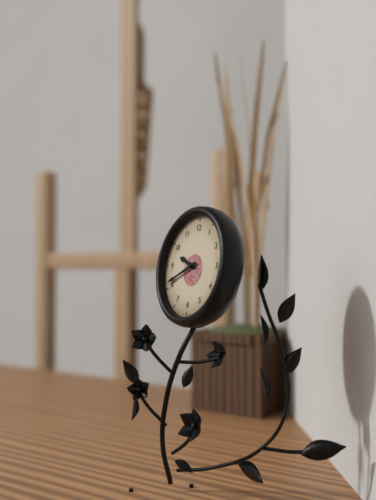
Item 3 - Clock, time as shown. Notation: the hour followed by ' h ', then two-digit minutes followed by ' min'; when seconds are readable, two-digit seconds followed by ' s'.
9 h 41 min
